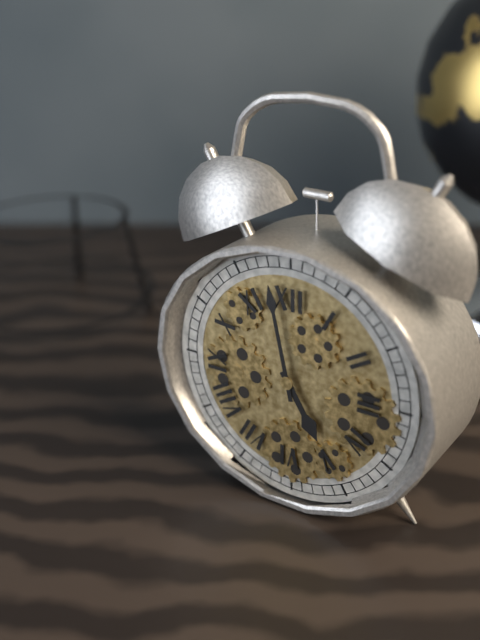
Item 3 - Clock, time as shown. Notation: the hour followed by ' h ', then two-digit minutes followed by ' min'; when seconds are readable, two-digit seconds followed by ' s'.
4 h 58 min
